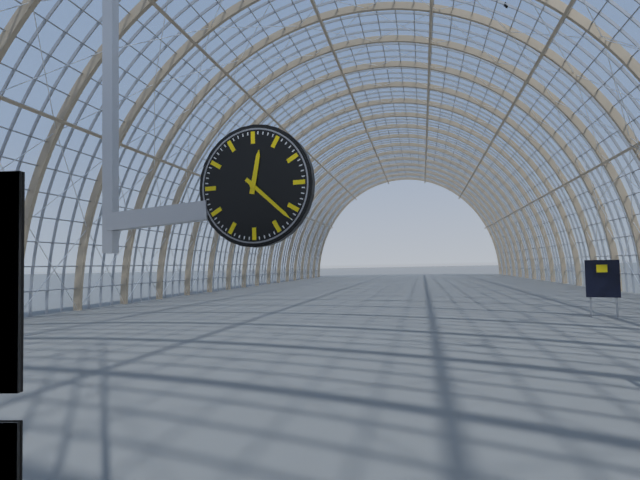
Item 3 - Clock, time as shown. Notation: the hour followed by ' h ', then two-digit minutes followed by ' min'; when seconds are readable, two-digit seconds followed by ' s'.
12 h 22 min
